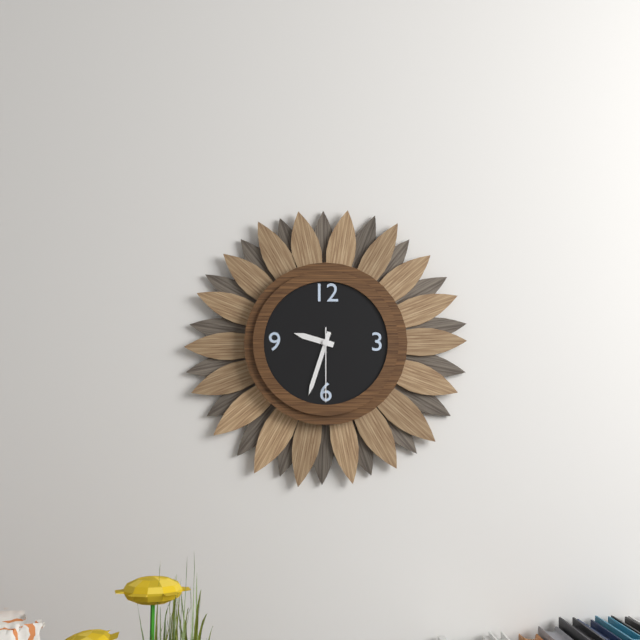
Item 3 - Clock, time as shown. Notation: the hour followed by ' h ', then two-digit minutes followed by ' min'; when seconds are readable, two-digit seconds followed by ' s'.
9 h 33 min 30 s
